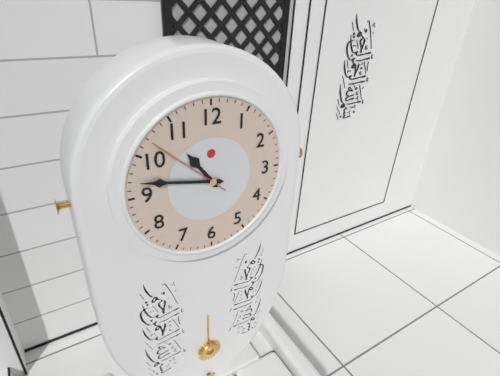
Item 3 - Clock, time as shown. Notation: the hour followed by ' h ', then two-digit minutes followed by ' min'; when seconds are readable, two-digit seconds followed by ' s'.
10 h 47 min 52 s
